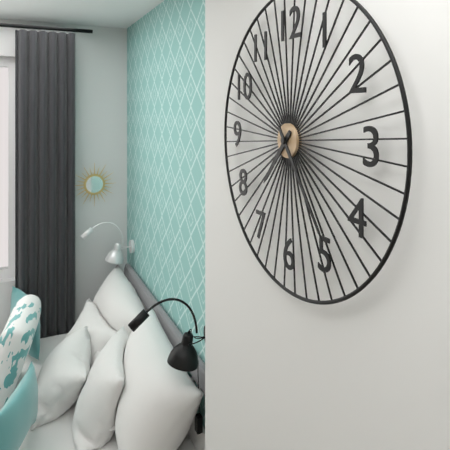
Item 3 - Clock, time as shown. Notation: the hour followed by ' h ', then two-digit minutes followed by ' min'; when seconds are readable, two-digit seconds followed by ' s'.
7 h 24 min
